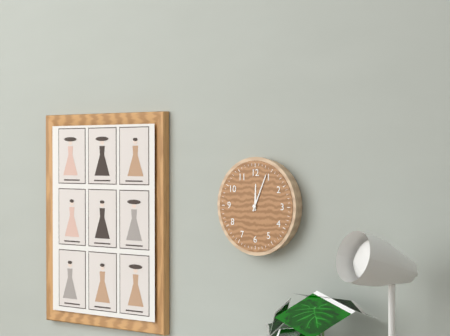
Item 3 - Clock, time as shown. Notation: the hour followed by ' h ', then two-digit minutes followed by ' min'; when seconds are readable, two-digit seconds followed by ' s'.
12 h 04 min
